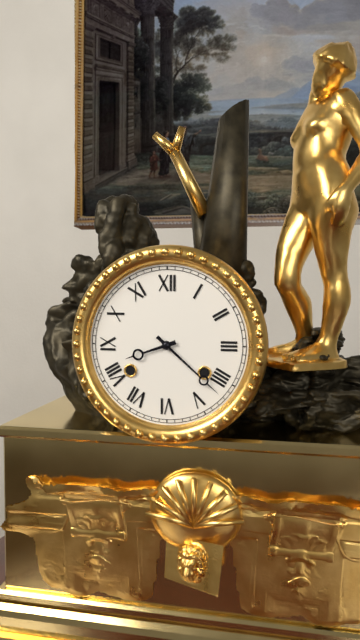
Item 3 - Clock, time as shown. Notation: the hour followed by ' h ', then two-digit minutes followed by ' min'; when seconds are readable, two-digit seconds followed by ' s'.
8 h 22 min
